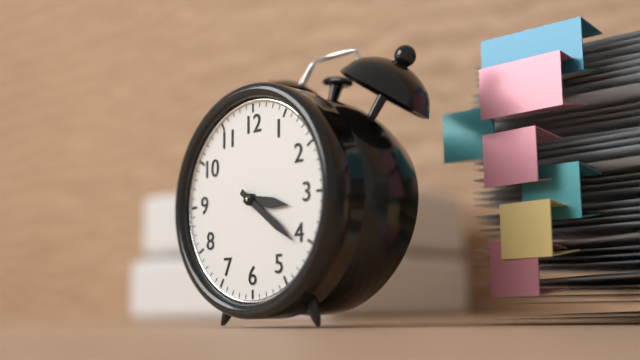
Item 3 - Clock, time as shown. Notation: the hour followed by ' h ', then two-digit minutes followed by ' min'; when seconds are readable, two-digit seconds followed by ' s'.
3 h 21 min
